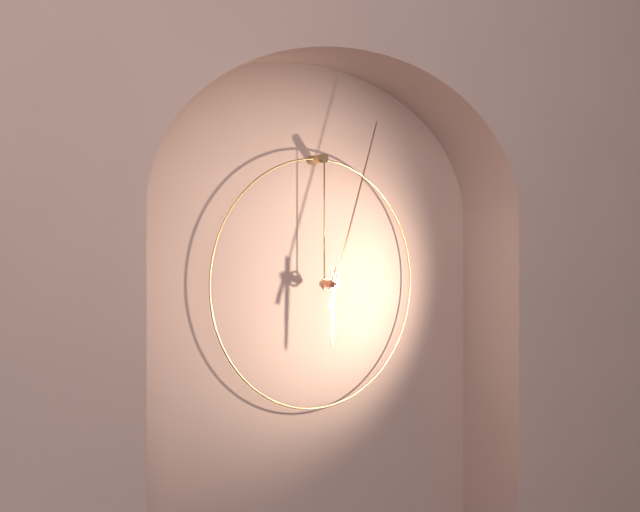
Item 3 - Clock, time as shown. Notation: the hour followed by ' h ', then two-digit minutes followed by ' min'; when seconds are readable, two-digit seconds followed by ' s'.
6 h 03 min
